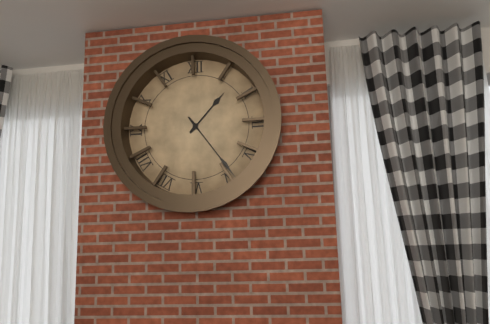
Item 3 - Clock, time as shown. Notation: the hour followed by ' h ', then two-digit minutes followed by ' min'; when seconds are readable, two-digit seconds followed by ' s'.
1 h 24 min
